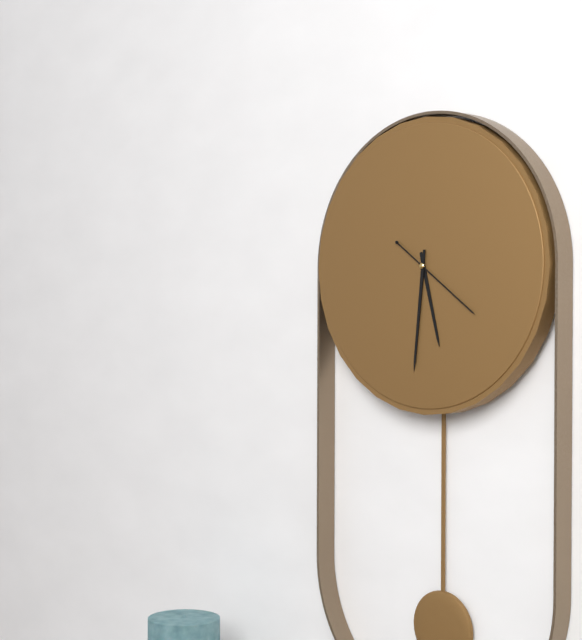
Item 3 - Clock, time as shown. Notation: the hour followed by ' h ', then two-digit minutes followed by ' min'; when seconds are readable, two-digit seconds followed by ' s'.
5 h 31 min 21 s
